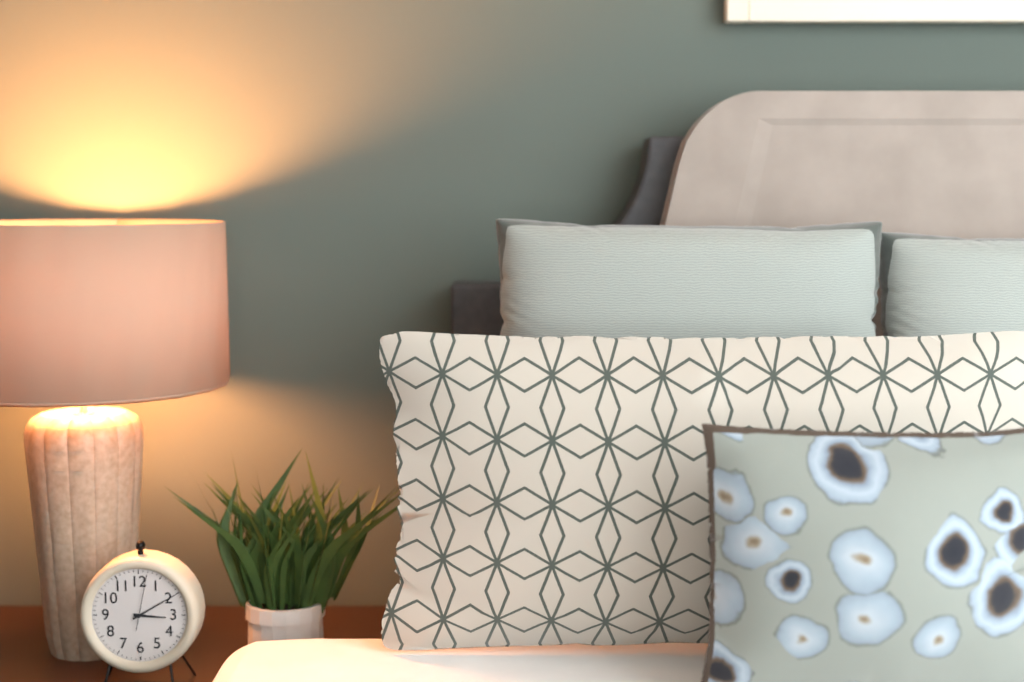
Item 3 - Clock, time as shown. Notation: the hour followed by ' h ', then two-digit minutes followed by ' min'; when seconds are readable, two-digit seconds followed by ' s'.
3 h 10 min
